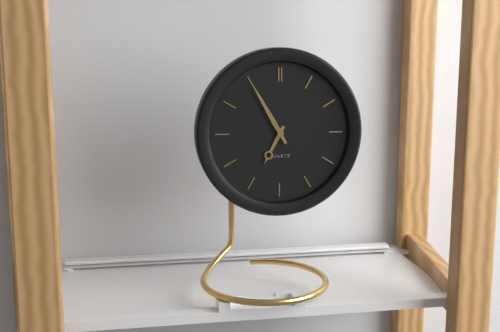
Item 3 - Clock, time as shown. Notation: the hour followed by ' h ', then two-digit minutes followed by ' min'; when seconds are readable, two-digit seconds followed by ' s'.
6 h 55 min
